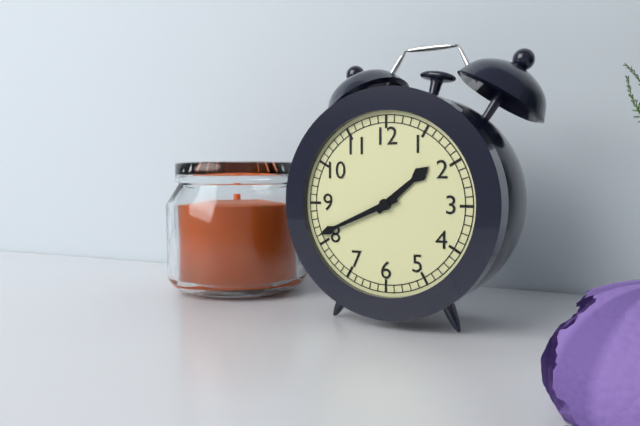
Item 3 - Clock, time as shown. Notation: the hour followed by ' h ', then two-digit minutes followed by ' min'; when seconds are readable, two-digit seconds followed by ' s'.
1 h 41 min
